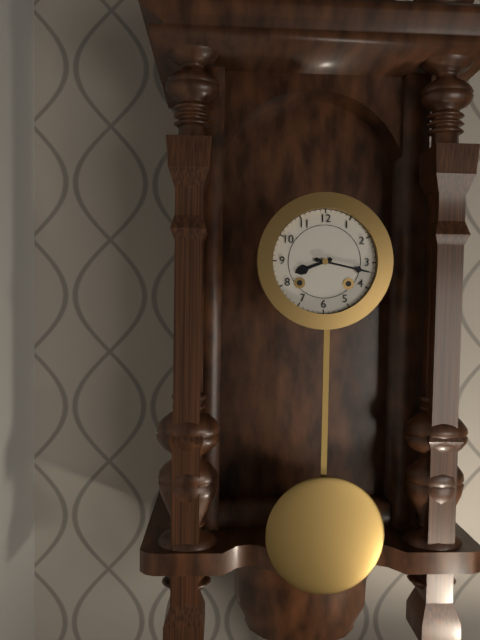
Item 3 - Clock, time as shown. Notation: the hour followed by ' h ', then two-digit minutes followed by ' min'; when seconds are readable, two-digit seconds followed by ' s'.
8 h 17 min
